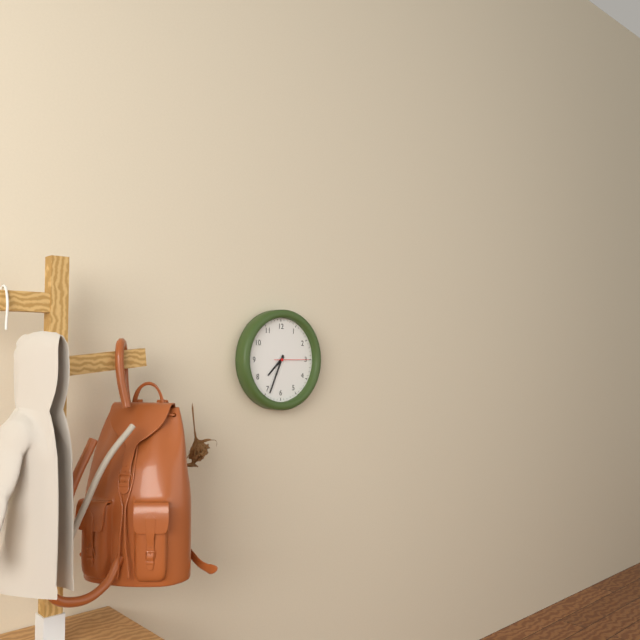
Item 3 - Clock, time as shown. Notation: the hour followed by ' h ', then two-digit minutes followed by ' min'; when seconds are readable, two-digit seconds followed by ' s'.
7 h 34 min
